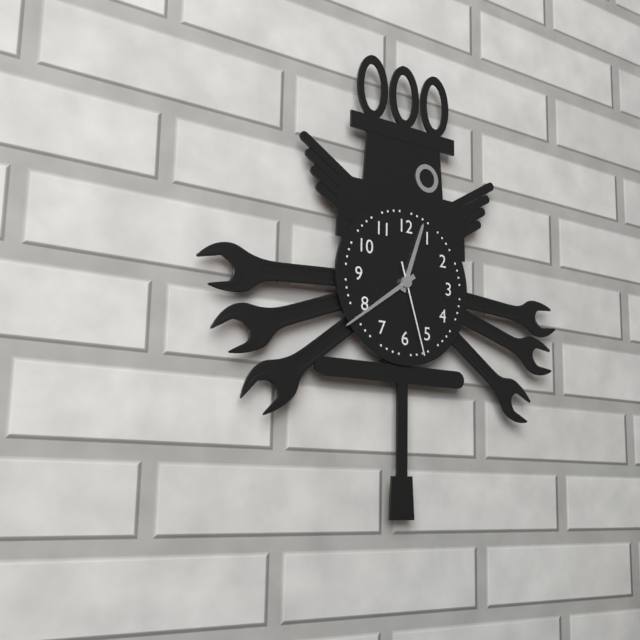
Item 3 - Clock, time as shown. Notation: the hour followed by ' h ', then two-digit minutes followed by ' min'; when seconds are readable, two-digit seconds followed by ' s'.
12 h 39 min 27 s
